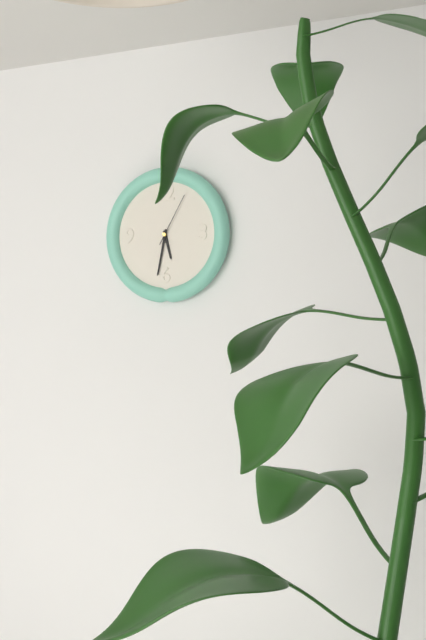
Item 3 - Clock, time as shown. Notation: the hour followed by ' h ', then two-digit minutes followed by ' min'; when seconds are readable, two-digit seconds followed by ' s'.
5 h 32 min 05 s
